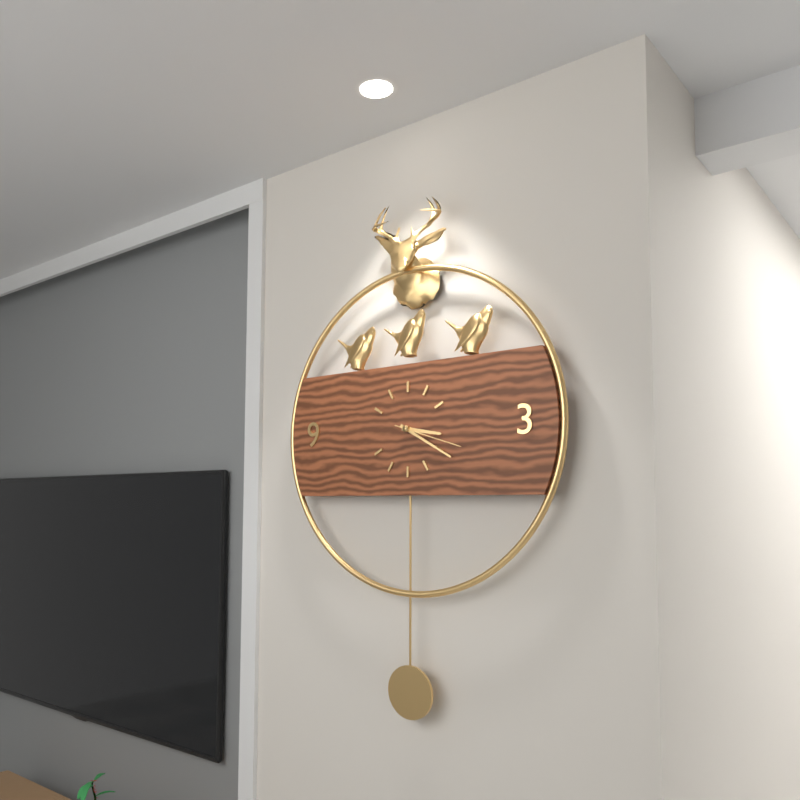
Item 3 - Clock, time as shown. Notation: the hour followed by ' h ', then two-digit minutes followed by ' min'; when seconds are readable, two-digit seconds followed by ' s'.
3 h 20 min 18 s
